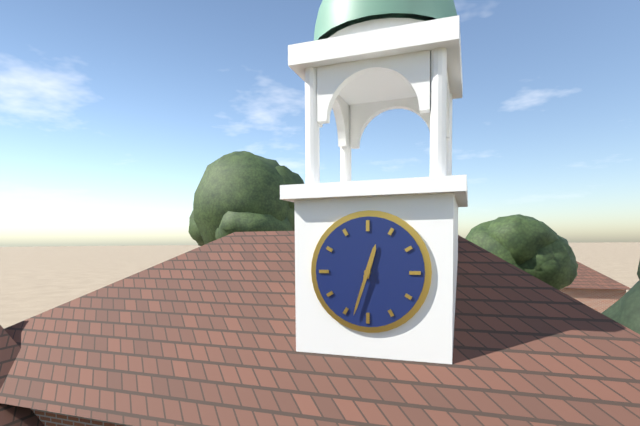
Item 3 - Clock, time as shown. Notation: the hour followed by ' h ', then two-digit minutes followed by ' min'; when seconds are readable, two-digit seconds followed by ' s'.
12 h 33 min
